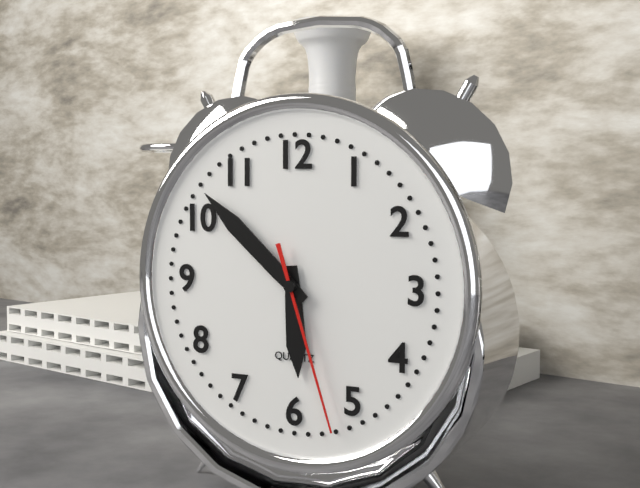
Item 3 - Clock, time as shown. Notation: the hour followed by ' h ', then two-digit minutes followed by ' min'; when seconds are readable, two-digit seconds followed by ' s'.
5 h 52 min 27 s
